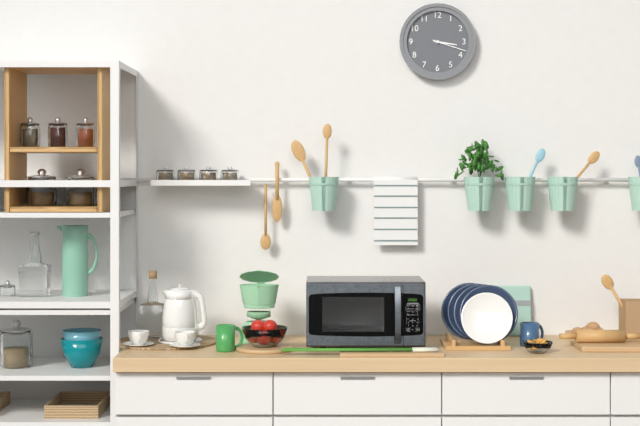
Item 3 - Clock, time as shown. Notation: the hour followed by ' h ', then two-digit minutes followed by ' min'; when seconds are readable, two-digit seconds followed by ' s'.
3 h 18 min
